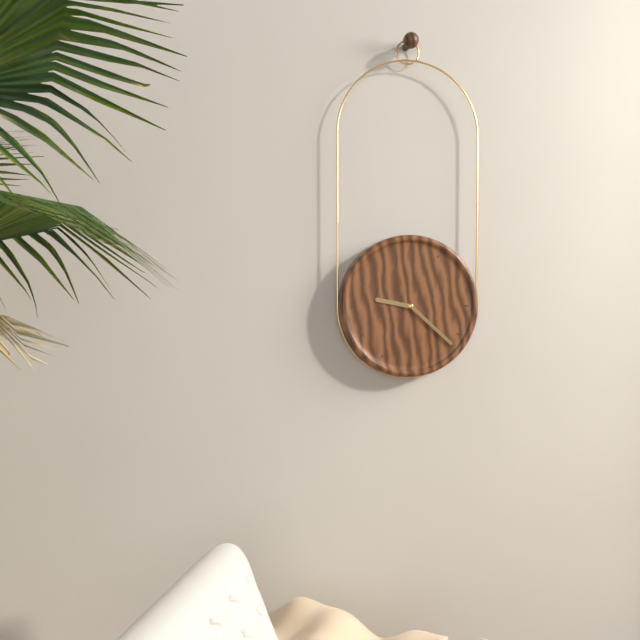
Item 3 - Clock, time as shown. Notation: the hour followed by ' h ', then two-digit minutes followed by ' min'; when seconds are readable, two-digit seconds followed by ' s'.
9 h 22 min
